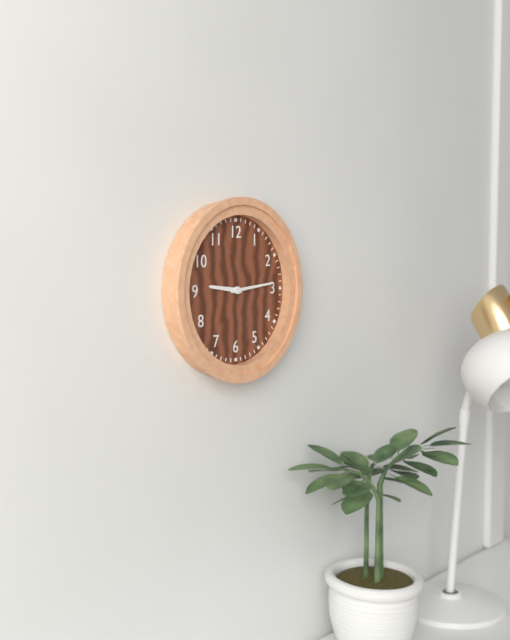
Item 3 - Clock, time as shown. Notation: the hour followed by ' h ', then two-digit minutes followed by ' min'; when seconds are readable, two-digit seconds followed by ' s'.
9 h 14 min
